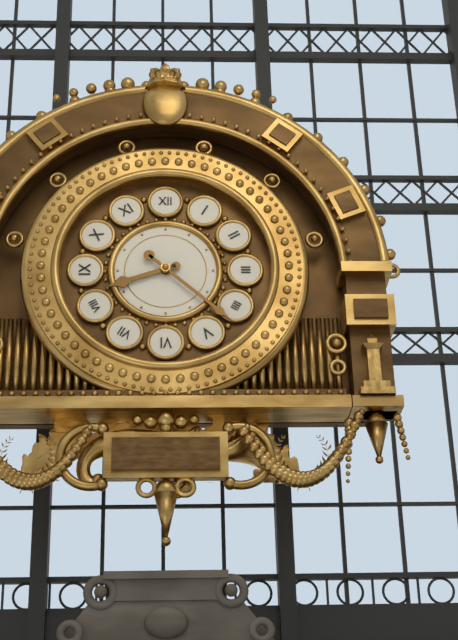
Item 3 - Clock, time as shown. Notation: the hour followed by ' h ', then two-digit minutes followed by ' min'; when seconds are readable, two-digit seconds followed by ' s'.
8 h 22 min
